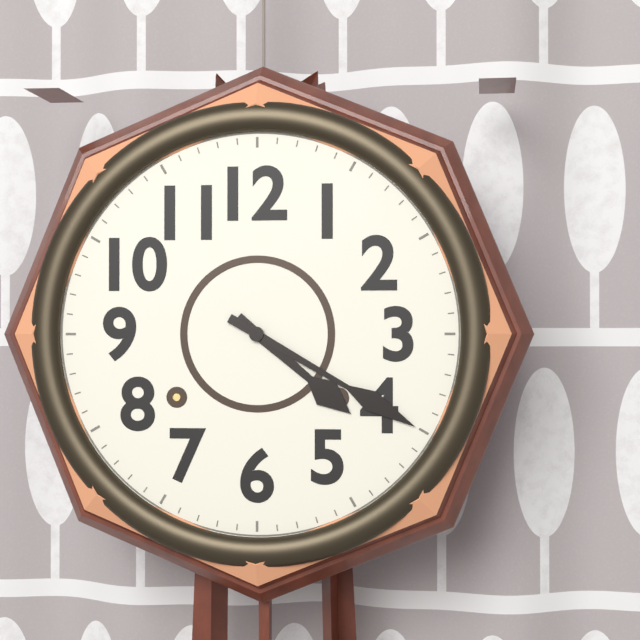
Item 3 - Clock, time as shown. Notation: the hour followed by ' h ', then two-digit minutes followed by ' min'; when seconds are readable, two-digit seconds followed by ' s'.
4 h 20 min
